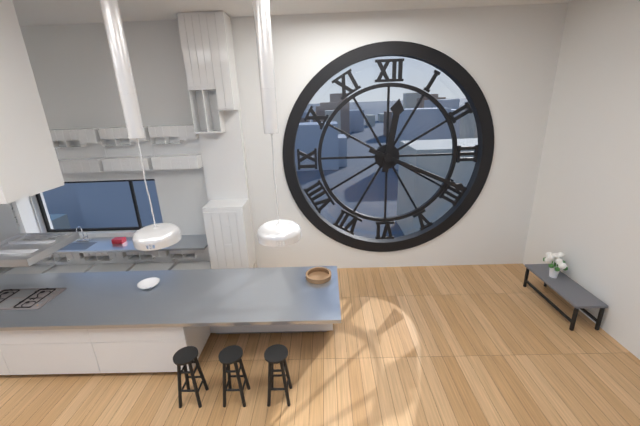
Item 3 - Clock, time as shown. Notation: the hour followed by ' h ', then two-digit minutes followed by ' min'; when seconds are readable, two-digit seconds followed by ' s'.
12 h 19 min
